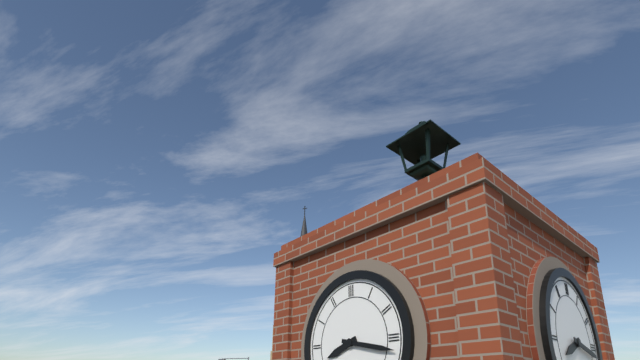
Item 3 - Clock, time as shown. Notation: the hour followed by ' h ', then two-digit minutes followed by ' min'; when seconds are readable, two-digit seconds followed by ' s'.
8 h 17 min
